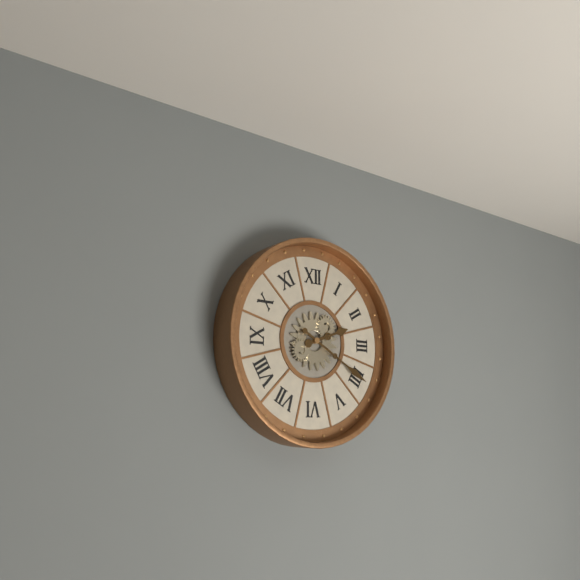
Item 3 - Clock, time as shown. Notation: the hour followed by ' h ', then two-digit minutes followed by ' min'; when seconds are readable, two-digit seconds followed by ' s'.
2 h 20 min
